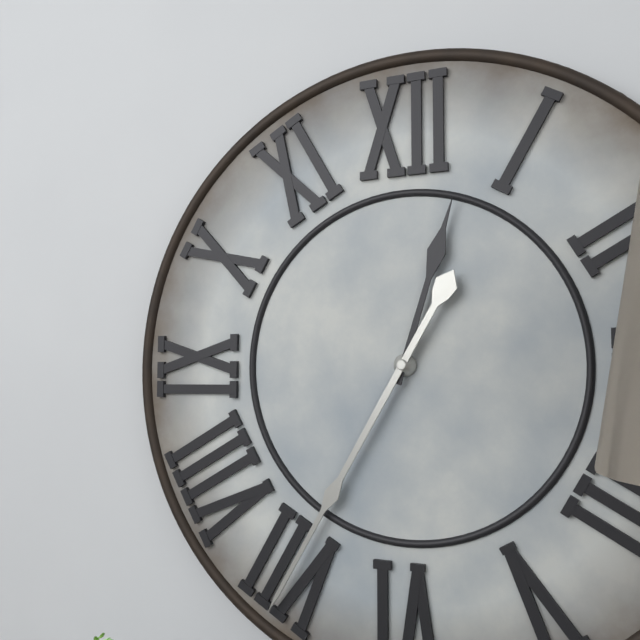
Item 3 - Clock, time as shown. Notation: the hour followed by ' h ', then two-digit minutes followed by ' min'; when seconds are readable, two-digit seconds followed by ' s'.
12 h 35 min
